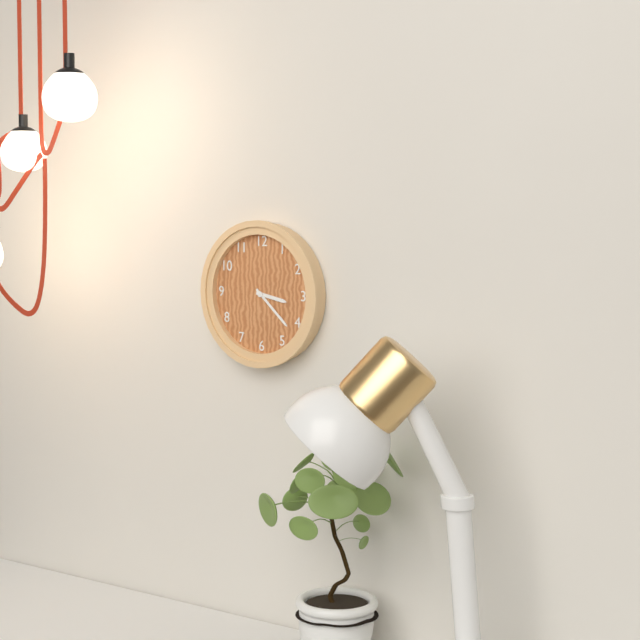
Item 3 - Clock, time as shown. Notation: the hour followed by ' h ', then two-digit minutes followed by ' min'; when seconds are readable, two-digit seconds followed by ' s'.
3 h 22 min
